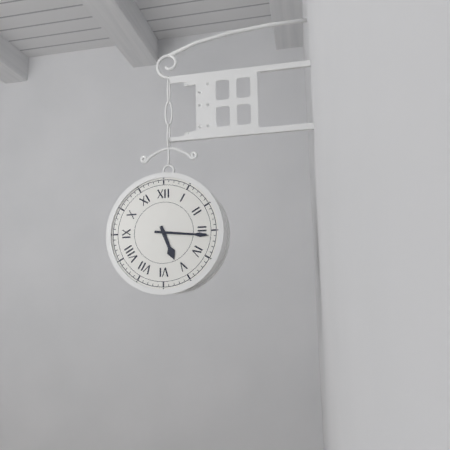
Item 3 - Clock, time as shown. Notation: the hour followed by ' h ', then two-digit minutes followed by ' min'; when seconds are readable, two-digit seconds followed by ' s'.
5 h 16 min
